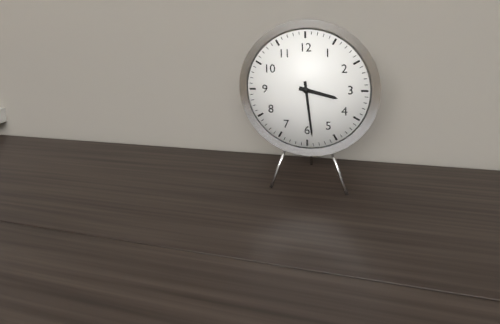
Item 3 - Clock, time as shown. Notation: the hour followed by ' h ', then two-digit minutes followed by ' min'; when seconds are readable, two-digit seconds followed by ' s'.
3 h 29 min
